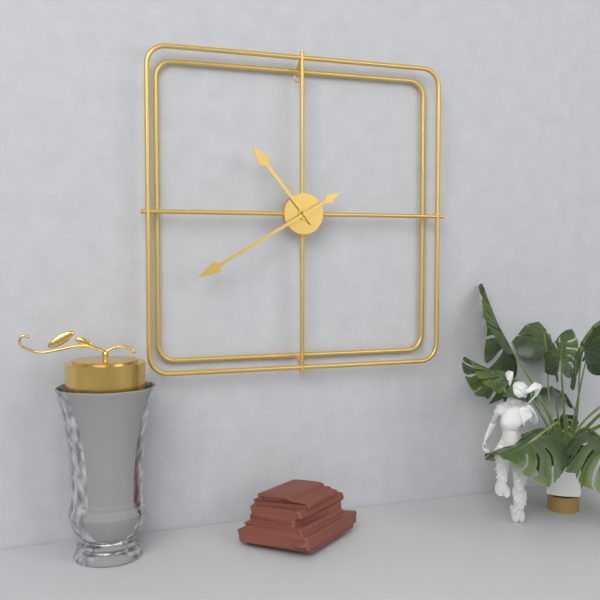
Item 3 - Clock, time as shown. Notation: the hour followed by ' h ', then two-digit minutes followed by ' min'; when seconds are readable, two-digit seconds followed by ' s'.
10 h 40 min
